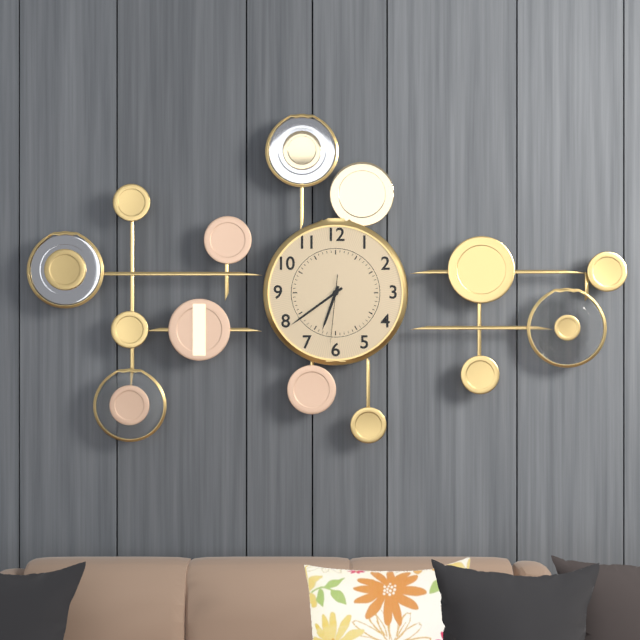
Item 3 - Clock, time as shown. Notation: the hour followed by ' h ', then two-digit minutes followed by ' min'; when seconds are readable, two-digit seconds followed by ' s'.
6 h 39 min 31 s
